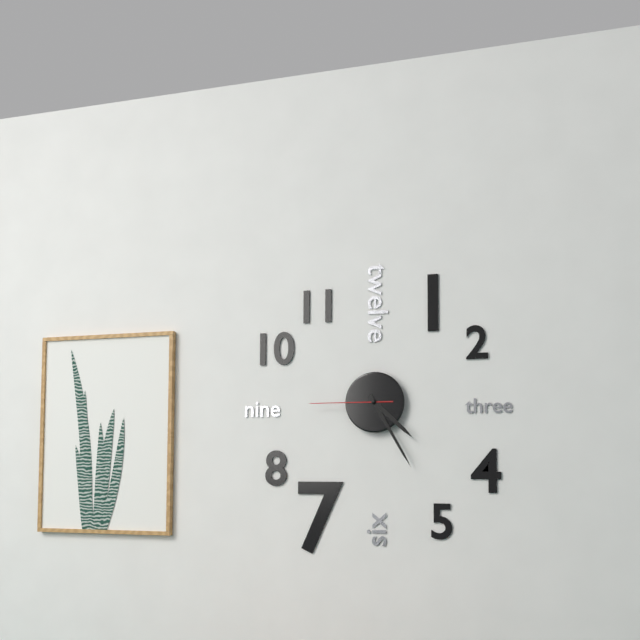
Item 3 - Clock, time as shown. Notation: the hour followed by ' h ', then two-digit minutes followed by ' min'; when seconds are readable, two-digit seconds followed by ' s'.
4 h 25 min 45 s
